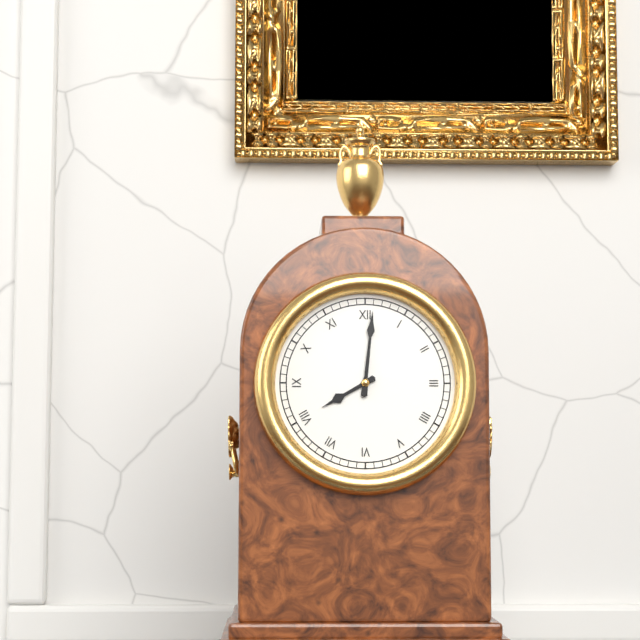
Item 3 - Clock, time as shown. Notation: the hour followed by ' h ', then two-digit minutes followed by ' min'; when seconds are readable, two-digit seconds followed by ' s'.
8 h 01 min
